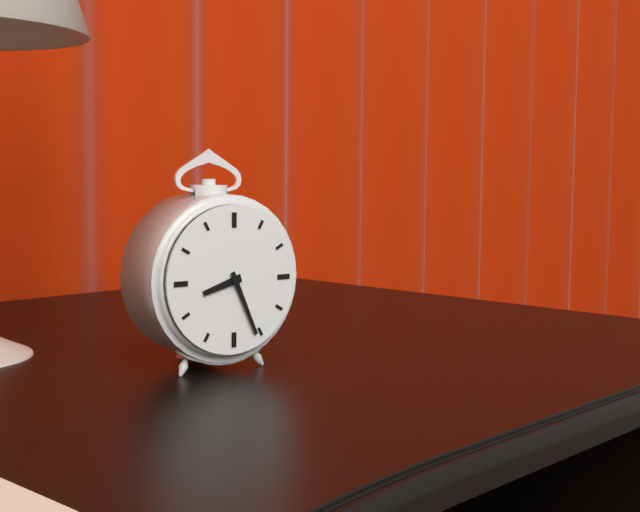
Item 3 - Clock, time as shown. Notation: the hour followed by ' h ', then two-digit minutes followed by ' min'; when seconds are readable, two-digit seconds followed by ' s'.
8 h 26 min
